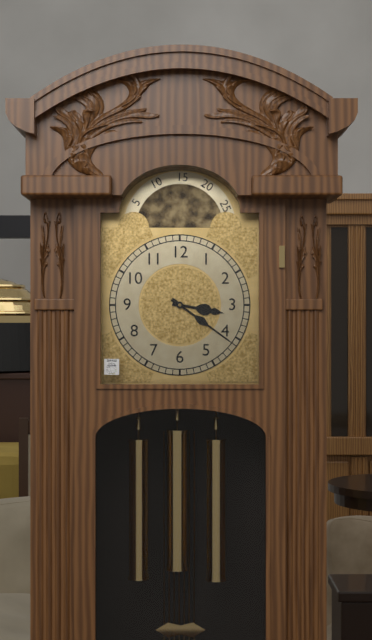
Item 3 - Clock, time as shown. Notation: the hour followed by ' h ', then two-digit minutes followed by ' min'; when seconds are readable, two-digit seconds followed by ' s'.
3 h 21 min
